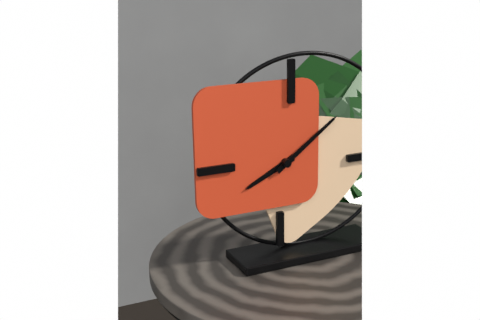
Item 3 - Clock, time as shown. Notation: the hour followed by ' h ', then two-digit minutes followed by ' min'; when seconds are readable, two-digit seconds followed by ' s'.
8 h 09 min
